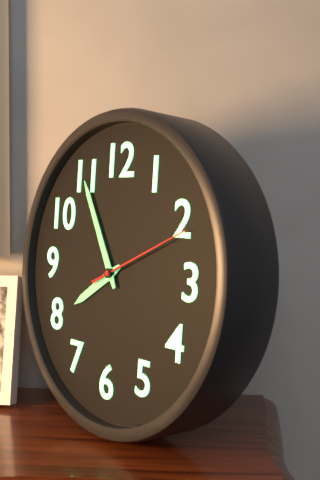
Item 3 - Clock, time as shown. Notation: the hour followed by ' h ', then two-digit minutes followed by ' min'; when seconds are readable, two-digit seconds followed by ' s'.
7 h 55 min 11 s
